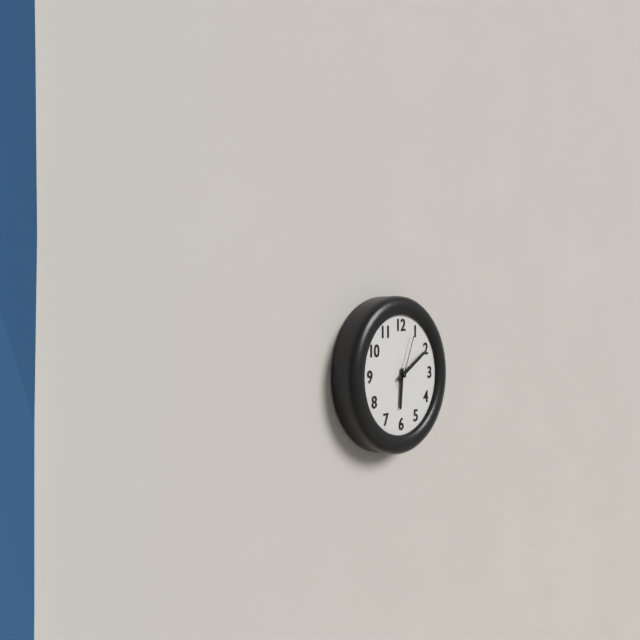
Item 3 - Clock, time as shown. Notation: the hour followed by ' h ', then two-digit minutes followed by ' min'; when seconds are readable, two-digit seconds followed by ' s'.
6 h 10 min 04 s
